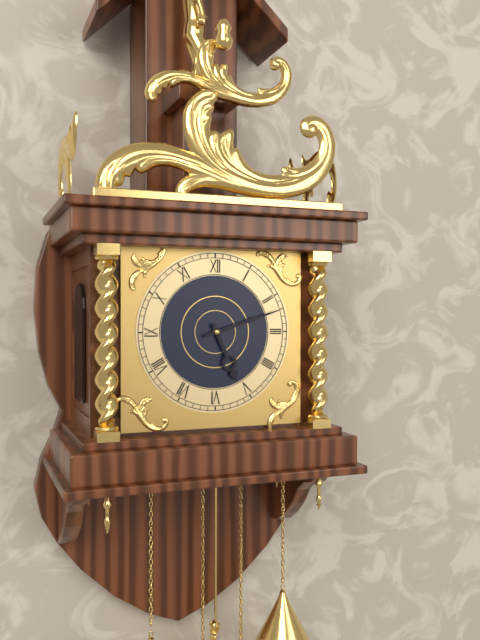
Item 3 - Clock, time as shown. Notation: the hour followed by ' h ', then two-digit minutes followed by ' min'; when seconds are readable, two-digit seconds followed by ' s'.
5 h 12 min
